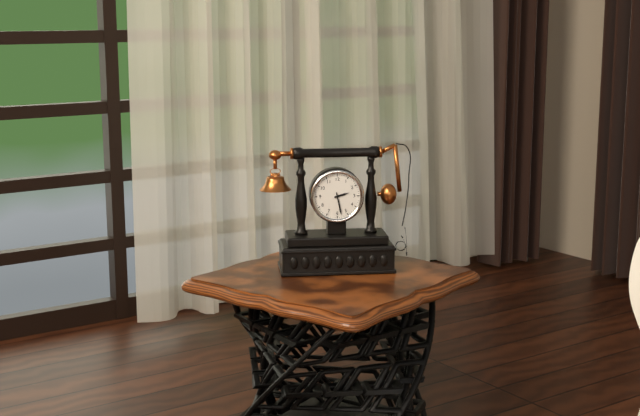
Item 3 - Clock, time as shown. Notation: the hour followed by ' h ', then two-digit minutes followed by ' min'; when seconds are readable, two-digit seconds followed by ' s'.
2 h 28 min
